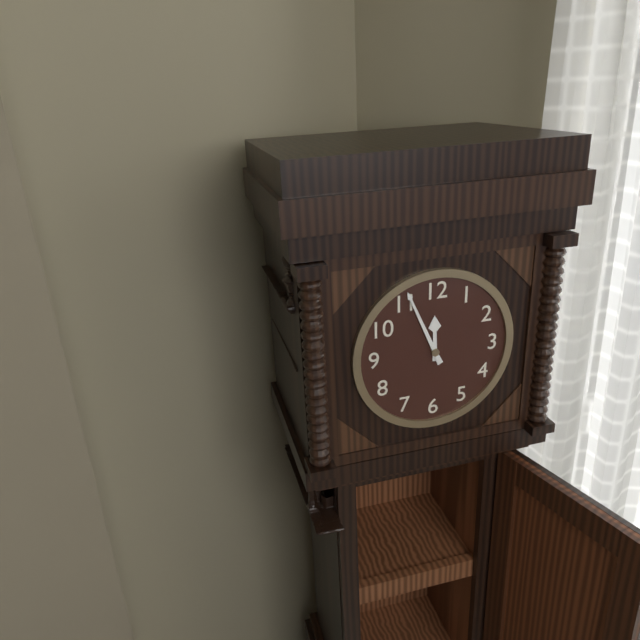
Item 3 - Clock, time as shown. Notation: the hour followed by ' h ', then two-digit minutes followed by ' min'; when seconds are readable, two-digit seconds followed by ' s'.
11 h 56 min
